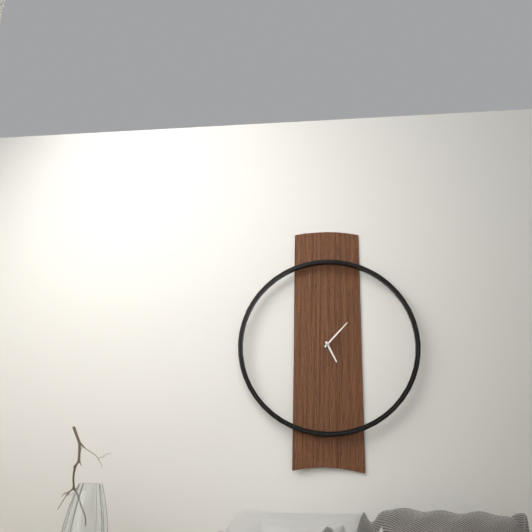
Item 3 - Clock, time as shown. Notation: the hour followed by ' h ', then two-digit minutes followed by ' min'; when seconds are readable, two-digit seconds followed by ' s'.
5 h 07 min
